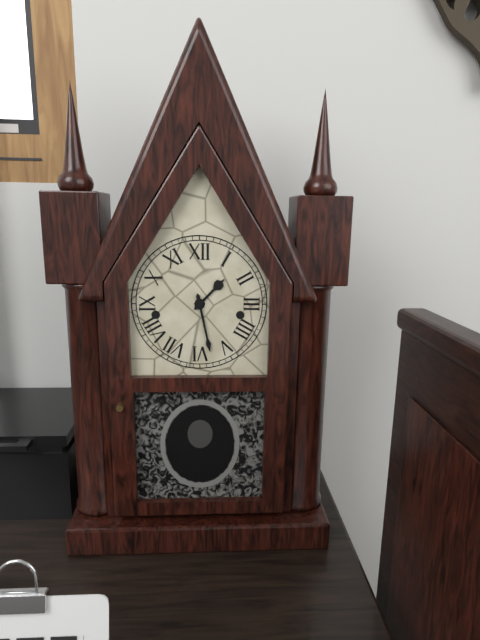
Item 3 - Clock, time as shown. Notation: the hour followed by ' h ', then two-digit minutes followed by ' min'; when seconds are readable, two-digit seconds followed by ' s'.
1 h 28 min
